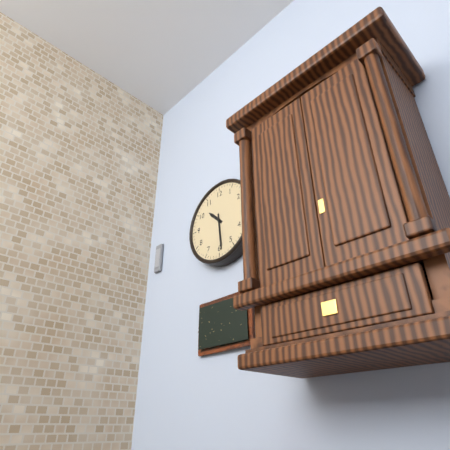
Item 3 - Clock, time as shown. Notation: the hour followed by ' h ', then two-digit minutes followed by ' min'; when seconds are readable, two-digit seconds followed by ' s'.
10 h 29 min
